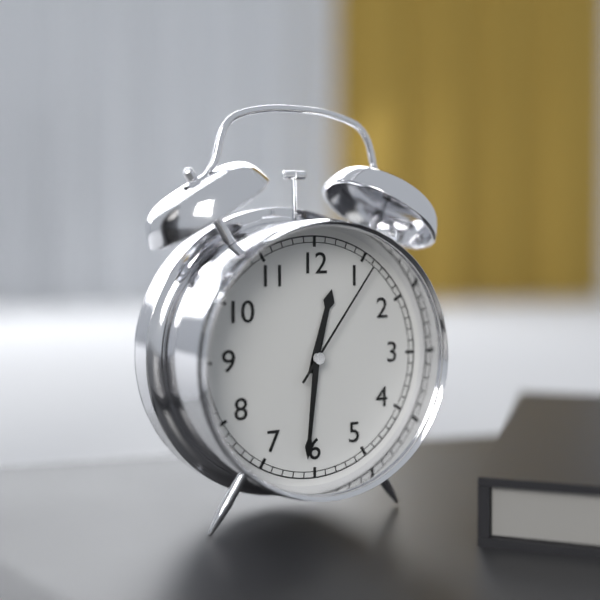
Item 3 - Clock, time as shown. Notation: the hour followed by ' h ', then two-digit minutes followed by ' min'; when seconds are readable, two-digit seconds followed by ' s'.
12 h 31 min 06 s
